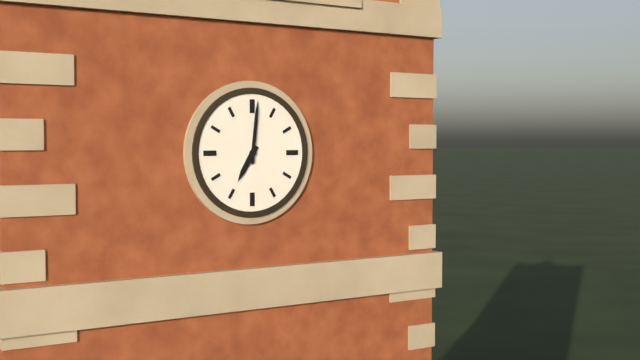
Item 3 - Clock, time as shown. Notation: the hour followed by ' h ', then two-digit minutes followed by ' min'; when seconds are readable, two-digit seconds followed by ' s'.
7 h 01 min
